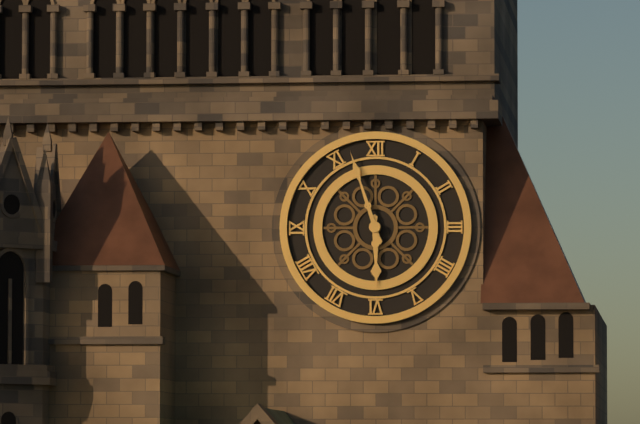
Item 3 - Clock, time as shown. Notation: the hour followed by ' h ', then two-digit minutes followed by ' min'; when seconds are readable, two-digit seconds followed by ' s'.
5 h 57 min
